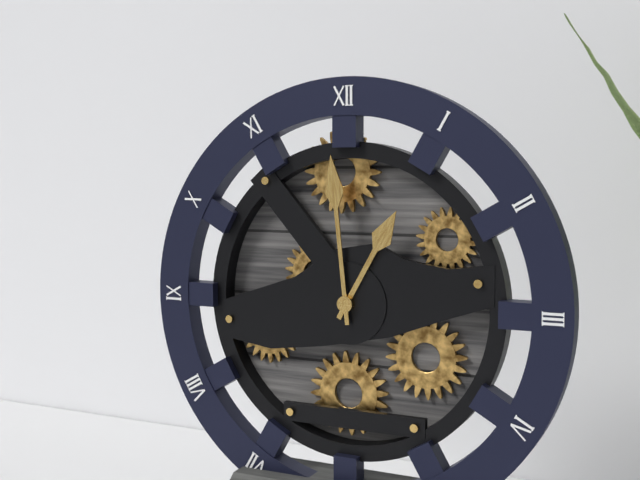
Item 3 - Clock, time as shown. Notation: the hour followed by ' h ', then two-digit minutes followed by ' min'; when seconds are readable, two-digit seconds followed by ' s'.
12 h 59 min
